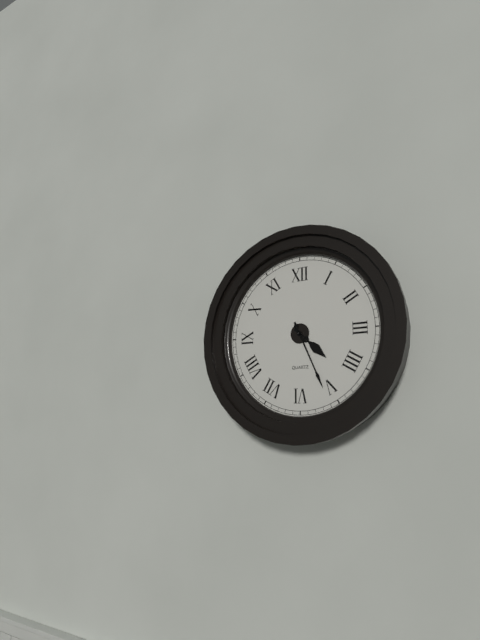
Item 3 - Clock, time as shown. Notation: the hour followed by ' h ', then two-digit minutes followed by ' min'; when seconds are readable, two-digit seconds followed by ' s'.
4 h 26 min
